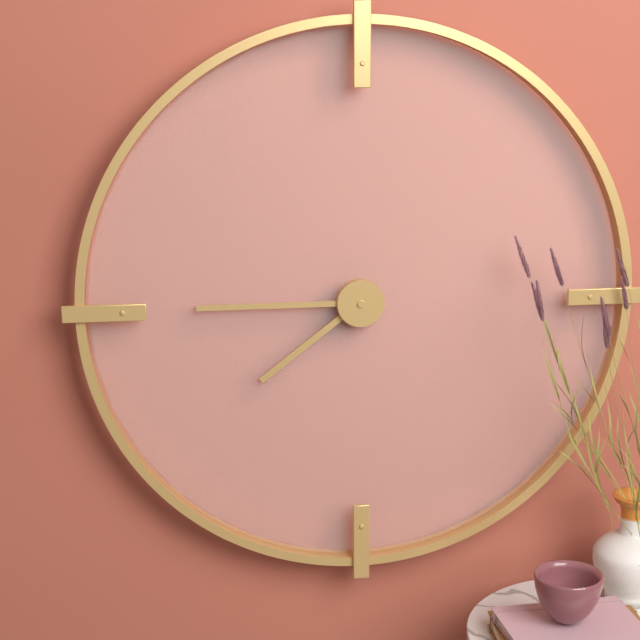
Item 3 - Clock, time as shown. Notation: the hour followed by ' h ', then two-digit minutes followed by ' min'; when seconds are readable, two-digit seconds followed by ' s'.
7 h 45 min
